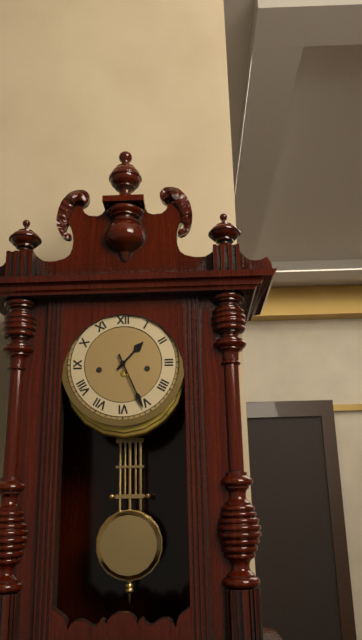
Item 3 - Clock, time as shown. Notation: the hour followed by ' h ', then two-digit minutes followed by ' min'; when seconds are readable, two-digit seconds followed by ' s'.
1 h 26 min
